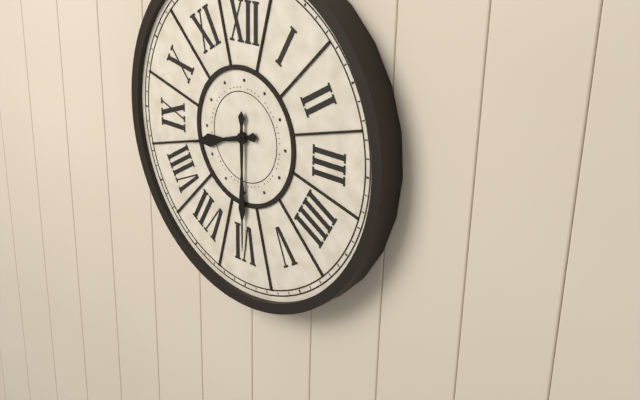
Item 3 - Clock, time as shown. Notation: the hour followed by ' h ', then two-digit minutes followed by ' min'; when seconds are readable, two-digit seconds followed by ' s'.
8 h 30 min
